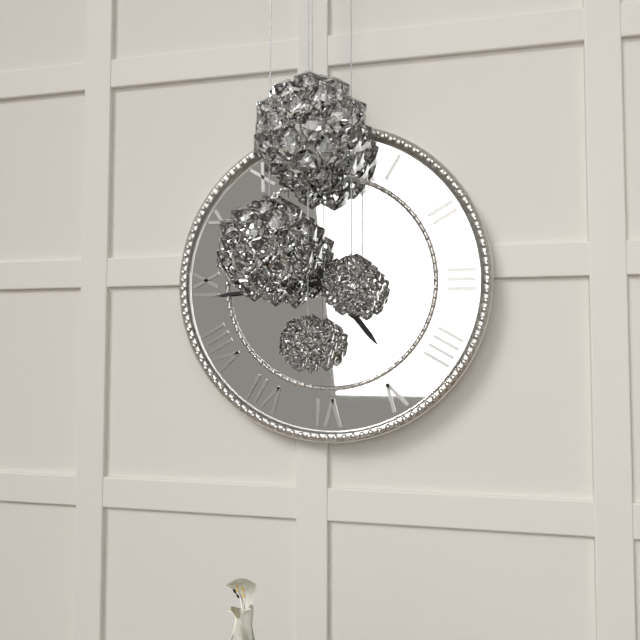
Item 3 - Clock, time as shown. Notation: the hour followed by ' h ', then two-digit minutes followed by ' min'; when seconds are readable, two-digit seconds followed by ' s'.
4 h 44 min
